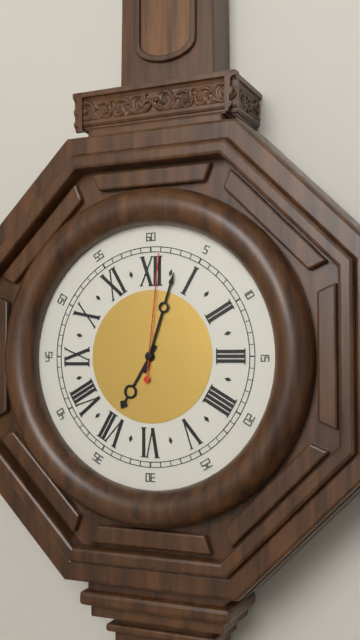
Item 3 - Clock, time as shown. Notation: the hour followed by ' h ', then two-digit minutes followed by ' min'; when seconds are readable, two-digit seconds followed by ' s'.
7 h 03 min 01 s
